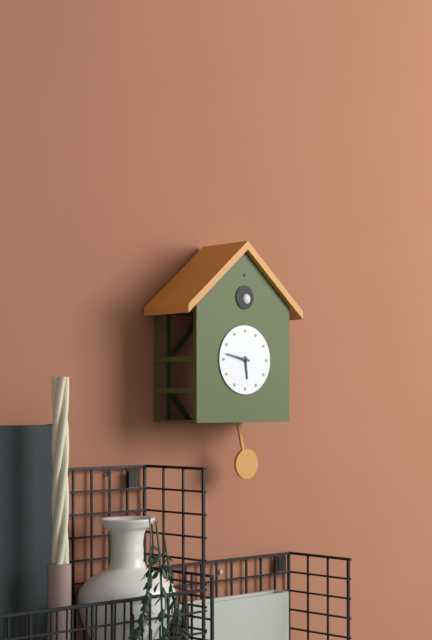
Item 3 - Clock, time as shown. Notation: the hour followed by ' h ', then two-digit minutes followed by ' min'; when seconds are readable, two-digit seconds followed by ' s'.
5 h 47 min
